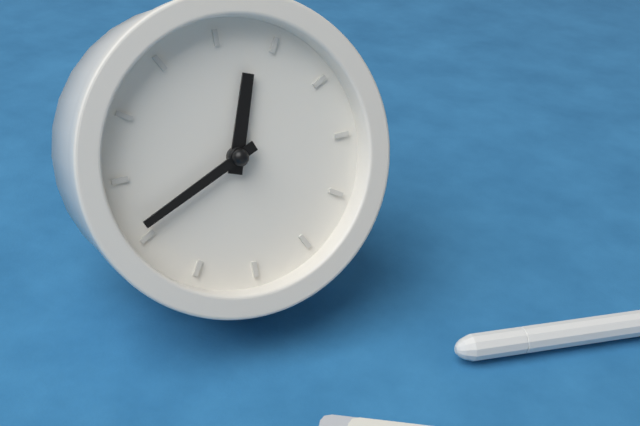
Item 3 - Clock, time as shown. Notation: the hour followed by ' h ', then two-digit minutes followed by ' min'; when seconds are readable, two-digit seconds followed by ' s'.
11 h 36 min
